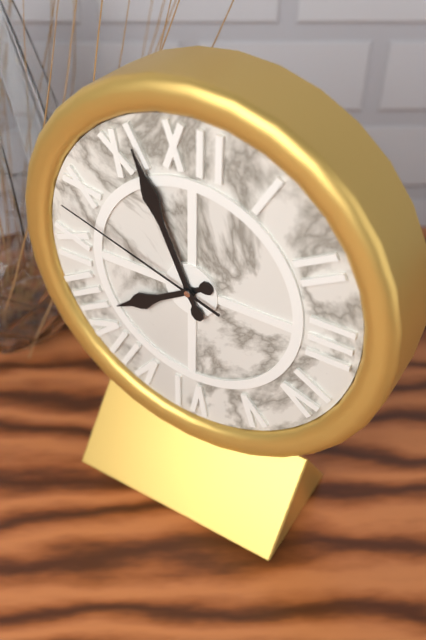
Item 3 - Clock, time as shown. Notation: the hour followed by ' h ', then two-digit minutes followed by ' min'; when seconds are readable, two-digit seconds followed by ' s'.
7 h 56 min 48 s
